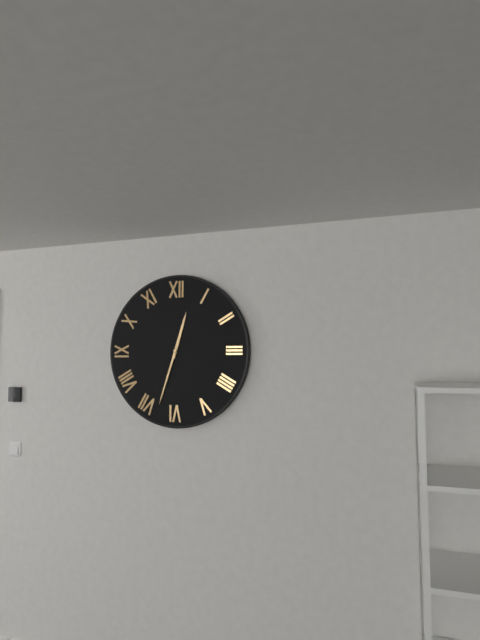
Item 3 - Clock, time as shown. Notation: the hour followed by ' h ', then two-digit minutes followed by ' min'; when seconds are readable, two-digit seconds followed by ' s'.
12 h 33 min
